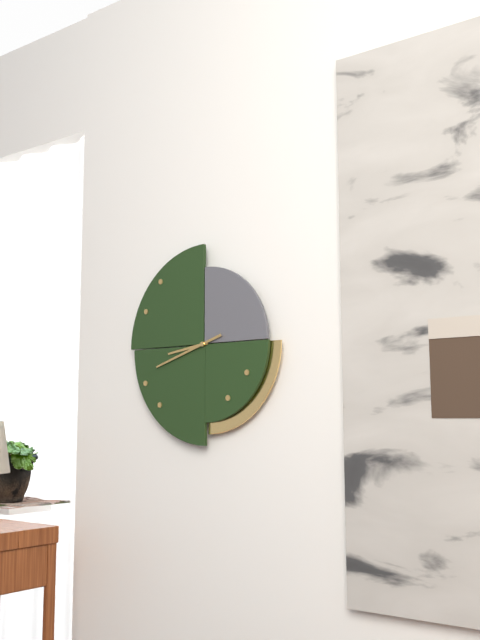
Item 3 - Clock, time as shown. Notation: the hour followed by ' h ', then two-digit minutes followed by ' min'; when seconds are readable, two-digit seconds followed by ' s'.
8 h 42 min
